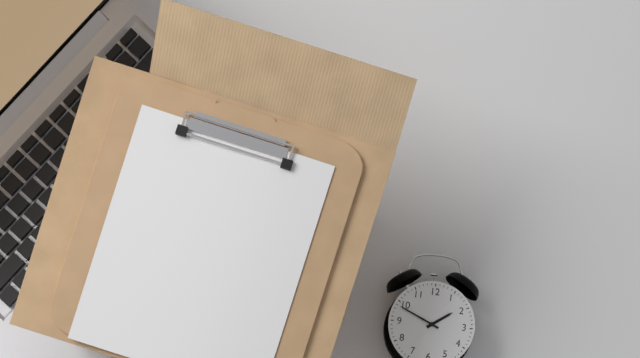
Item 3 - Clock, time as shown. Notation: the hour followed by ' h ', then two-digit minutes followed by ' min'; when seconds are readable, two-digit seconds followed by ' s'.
1 h 49 min
